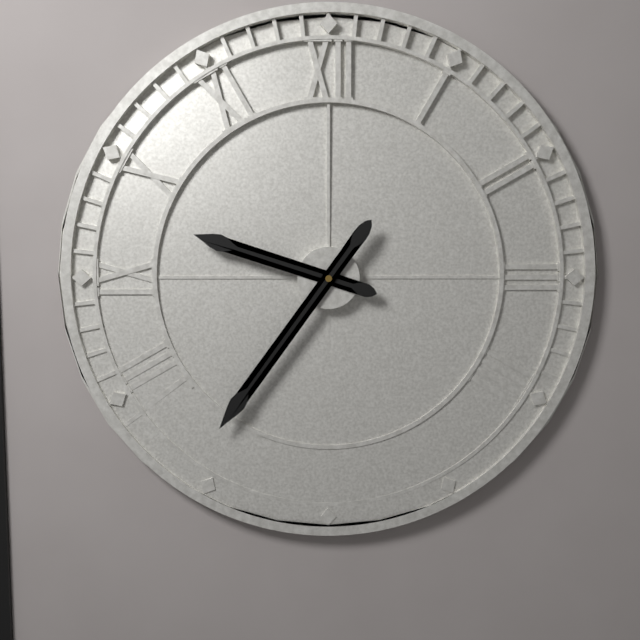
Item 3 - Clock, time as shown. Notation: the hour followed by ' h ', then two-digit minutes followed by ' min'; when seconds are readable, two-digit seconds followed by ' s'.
9 h 36 min
